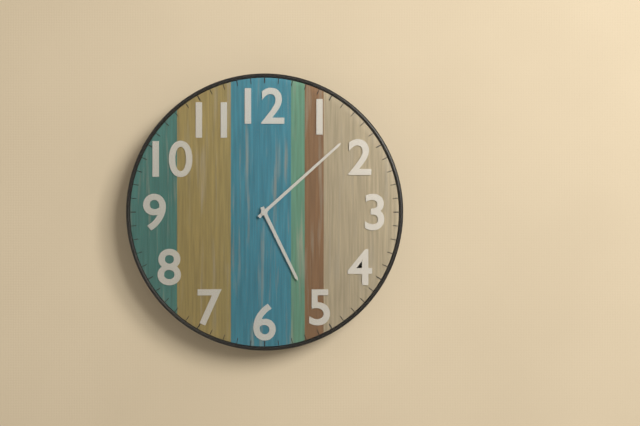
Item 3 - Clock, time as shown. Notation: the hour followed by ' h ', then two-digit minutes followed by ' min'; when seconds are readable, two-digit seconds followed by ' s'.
5 h 08 min
